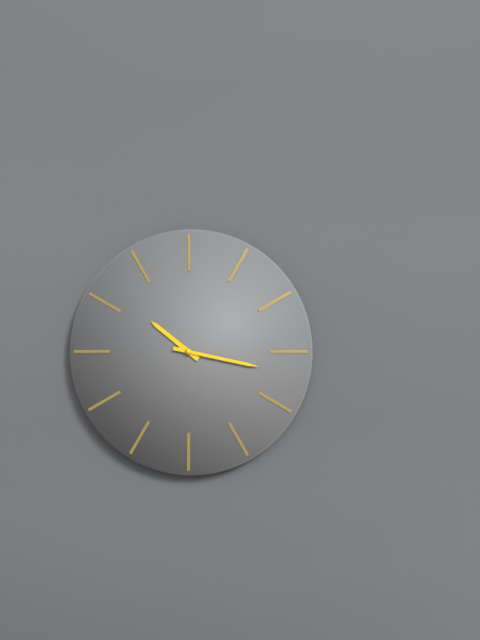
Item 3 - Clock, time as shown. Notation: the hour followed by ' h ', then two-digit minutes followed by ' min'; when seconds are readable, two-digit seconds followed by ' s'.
10 h 17 min
